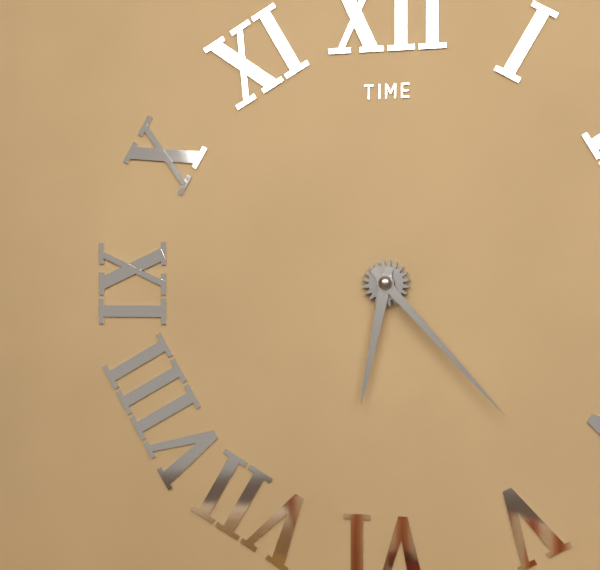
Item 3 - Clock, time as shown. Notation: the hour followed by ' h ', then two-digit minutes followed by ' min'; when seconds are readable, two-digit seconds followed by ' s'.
6 h 23 min
